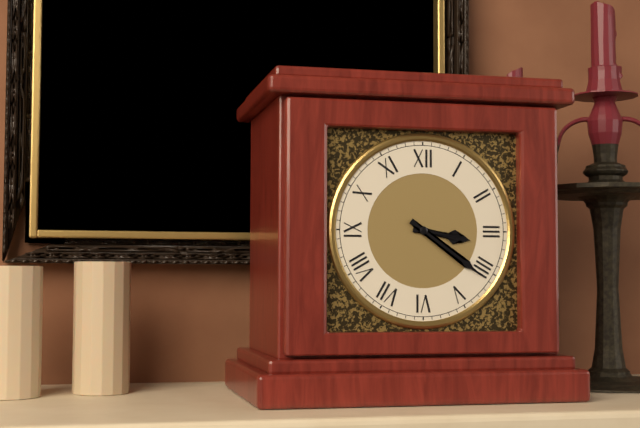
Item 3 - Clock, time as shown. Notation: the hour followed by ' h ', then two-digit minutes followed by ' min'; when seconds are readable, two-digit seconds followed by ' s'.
3 h 21 min
